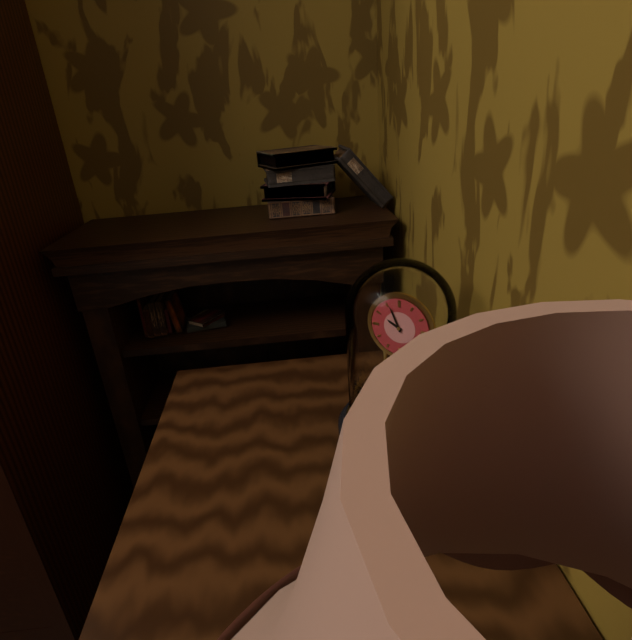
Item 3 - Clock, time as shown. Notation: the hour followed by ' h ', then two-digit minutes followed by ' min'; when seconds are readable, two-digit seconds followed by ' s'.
9 h 56 min
